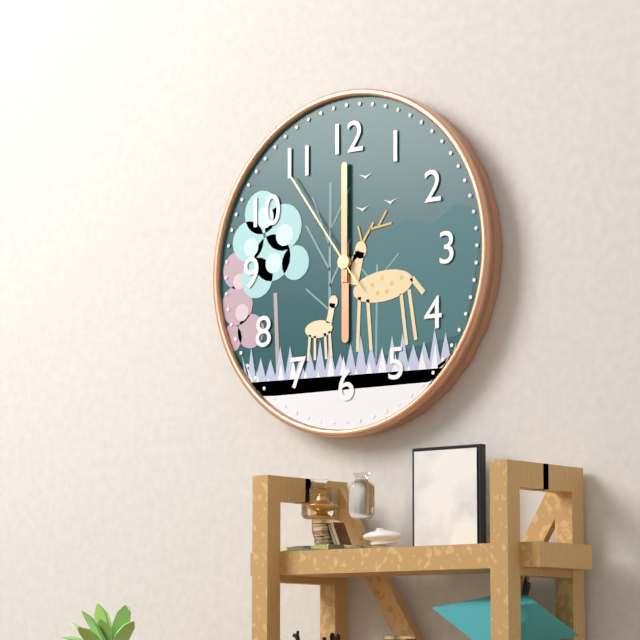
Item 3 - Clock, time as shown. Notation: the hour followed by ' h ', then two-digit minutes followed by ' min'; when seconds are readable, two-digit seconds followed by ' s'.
6 h 00 min 54 s
